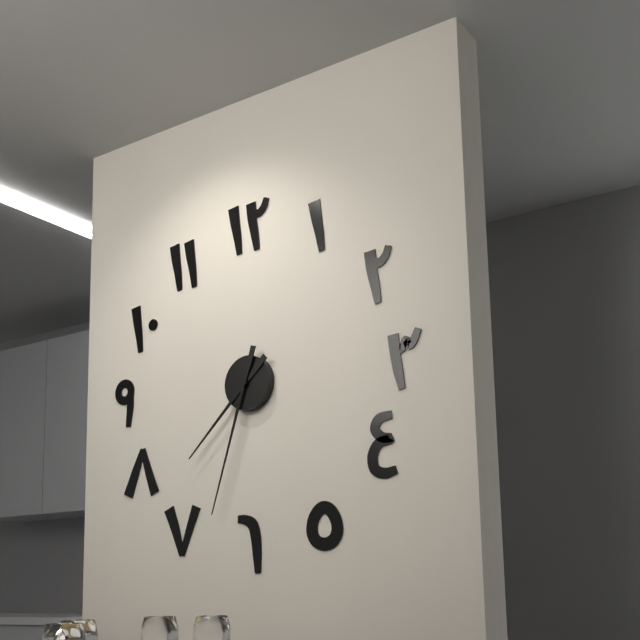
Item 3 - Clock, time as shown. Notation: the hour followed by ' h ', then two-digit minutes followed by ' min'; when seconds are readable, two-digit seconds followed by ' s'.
7 h 33 min
